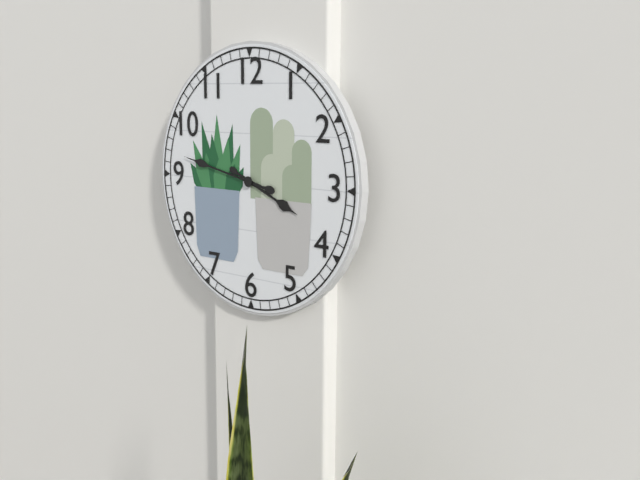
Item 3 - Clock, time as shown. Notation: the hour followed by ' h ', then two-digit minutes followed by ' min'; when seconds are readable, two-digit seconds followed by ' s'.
3 h 47 min
